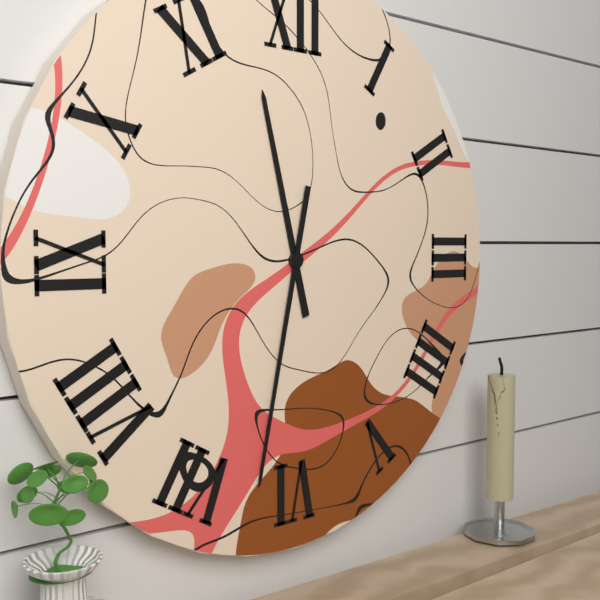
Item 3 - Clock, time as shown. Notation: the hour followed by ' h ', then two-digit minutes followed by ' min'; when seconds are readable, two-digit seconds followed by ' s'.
11 h 32 min
